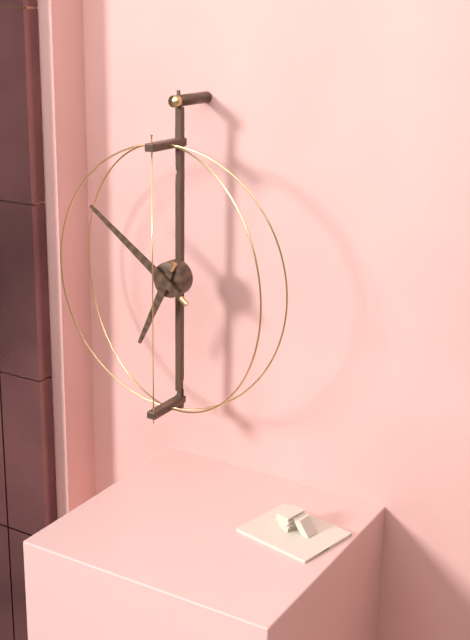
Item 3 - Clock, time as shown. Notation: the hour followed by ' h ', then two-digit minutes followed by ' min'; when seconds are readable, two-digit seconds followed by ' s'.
6 h 51 min
